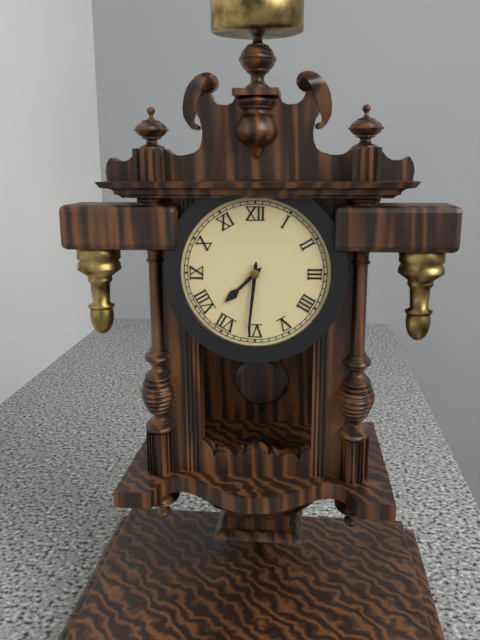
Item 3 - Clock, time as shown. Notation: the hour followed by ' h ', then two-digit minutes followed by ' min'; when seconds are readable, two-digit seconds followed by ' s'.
7 h 31 min
